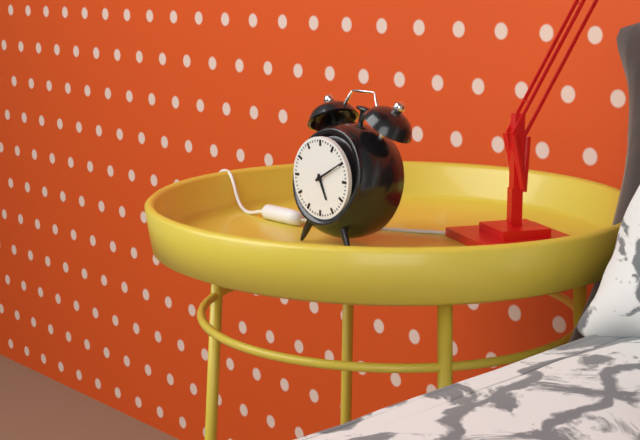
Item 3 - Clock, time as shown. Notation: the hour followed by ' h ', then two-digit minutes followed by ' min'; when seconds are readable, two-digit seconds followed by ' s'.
5 h 10 min
